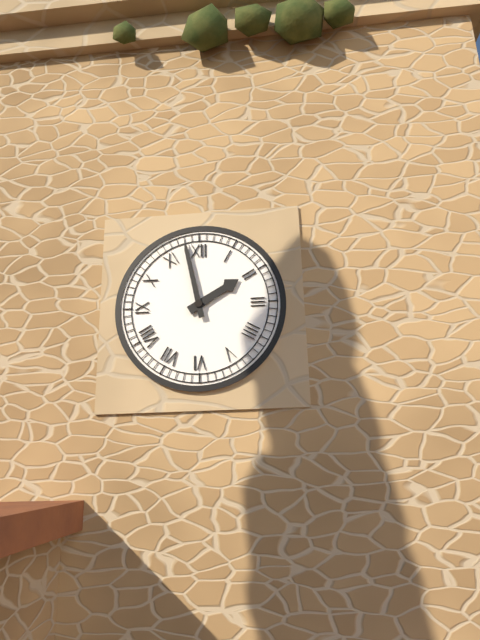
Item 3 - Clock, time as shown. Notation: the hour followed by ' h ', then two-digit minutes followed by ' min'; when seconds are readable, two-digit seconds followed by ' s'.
1 h 58 min
